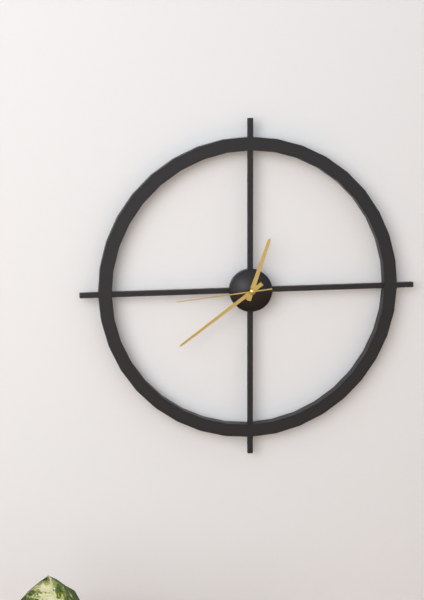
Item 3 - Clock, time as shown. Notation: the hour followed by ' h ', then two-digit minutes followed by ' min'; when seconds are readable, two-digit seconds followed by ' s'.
12 h 39 min 44 s
